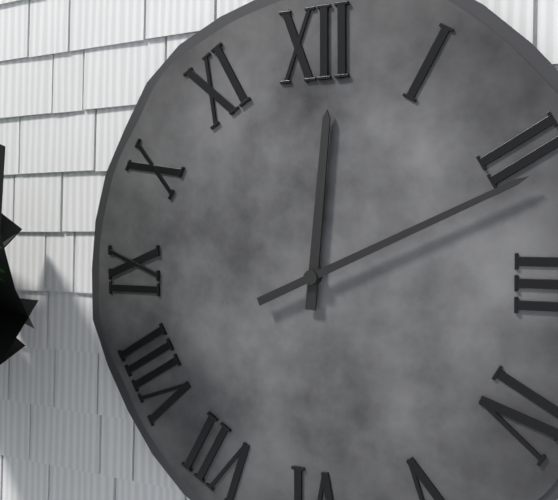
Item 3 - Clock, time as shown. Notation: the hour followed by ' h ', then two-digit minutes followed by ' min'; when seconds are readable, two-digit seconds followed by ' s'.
12 h 11 min
